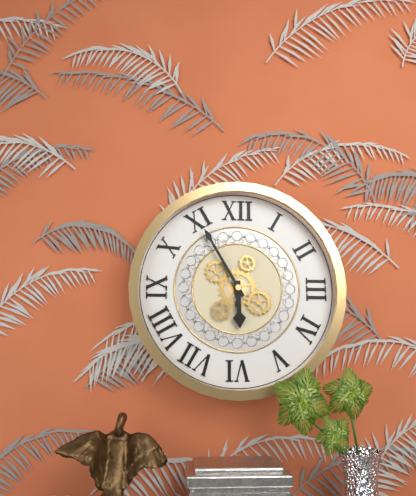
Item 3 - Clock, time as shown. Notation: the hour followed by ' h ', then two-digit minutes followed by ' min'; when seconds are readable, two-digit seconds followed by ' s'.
5 h 55 min
